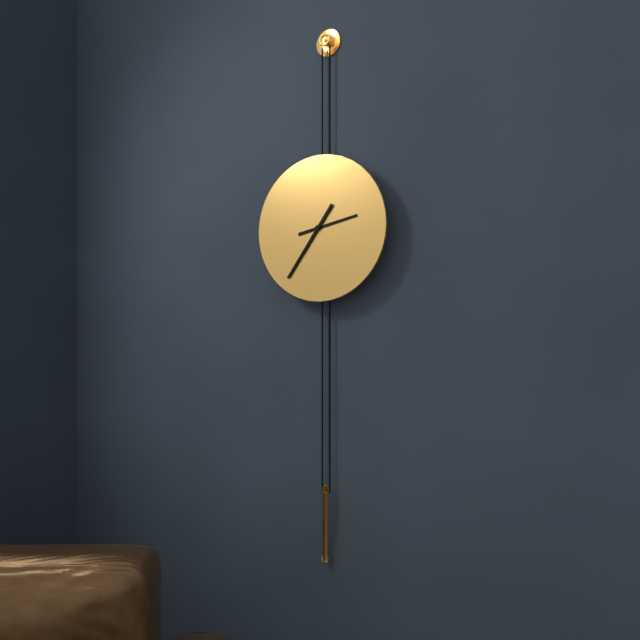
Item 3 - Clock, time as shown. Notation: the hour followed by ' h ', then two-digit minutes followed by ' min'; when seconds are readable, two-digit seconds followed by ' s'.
2 h 36 min
